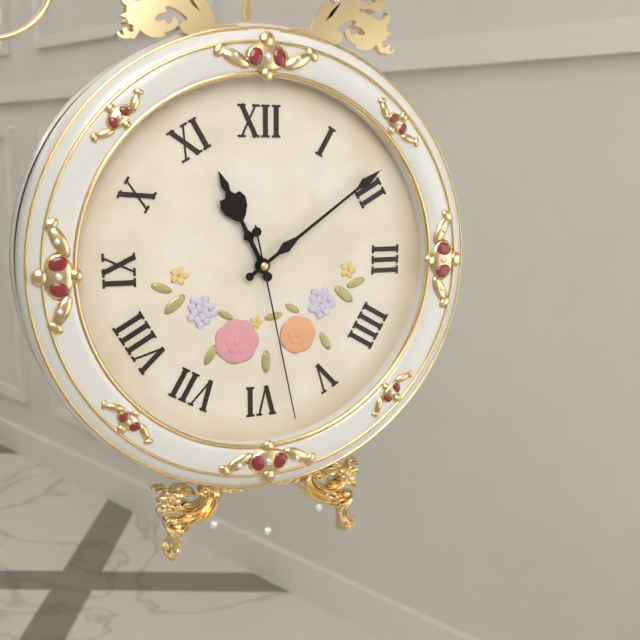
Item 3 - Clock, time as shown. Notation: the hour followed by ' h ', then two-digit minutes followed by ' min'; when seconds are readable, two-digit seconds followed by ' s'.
11 h 09 min 28 s
